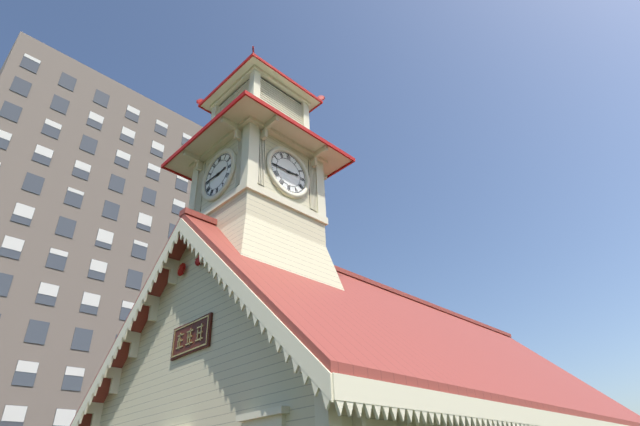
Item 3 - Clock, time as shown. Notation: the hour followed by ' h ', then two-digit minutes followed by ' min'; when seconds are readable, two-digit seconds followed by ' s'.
2 h 45 min
